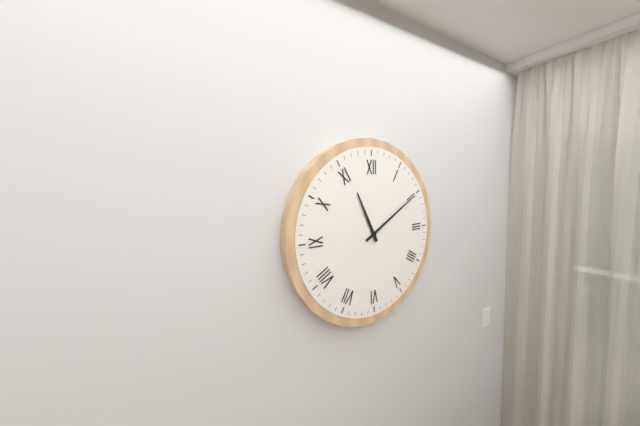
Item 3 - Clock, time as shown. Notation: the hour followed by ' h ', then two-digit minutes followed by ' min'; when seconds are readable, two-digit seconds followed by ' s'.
11 h 10 min
